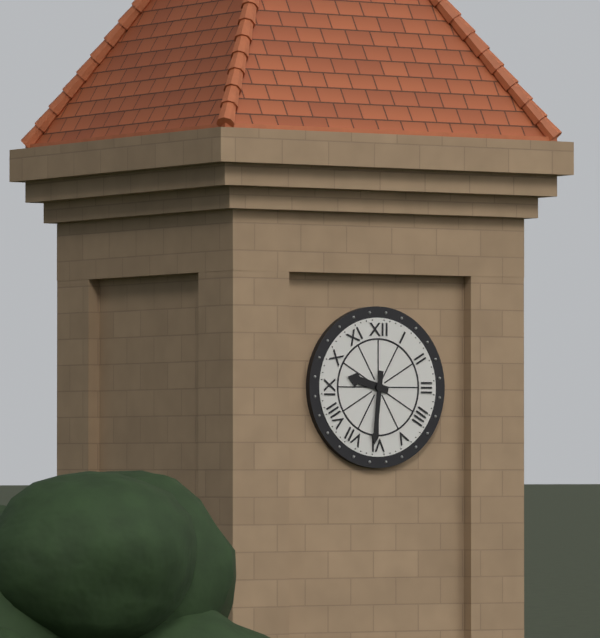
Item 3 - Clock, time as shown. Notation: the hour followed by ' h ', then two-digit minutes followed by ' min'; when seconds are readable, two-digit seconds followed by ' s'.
9 h 31 min
